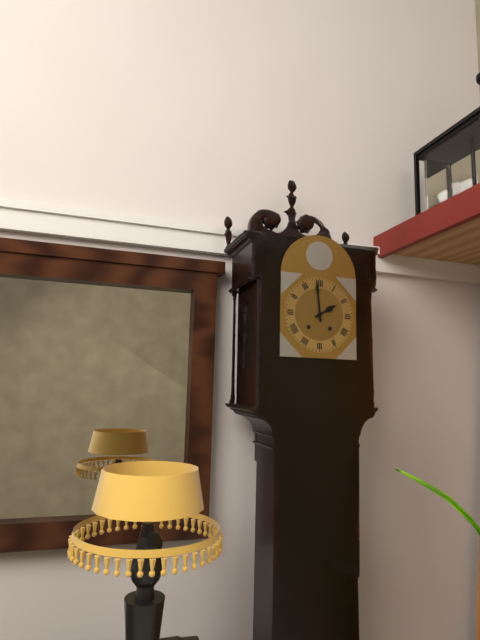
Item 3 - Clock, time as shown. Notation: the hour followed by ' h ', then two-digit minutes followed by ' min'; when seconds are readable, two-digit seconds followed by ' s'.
1 h 59 min
